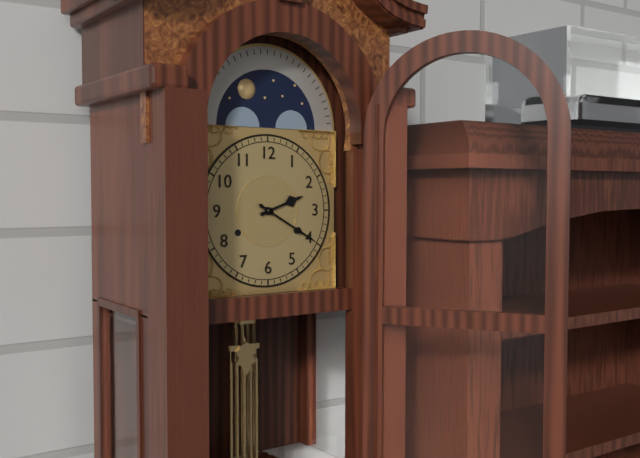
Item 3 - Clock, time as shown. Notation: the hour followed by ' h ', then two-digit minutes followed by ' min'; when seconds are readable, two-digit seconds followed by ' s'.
2 h 20 min
